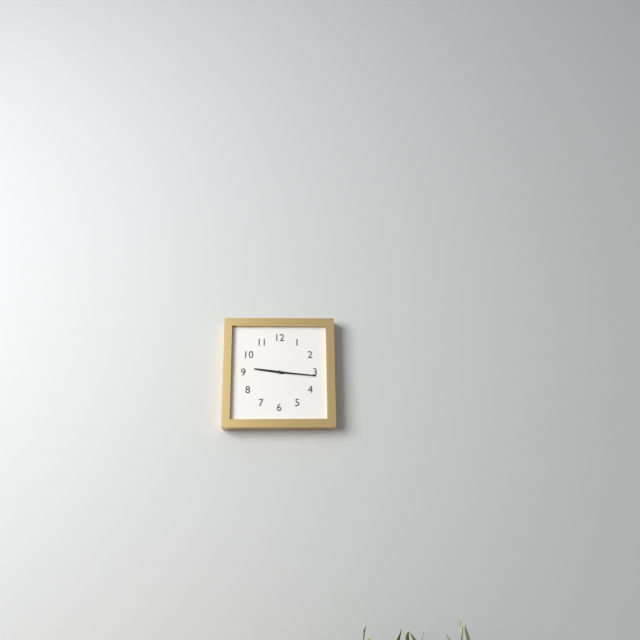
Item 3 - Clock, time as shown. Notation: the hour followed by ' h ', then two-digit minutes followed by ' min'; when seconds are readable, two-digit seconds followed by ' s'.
9 h 16 min
